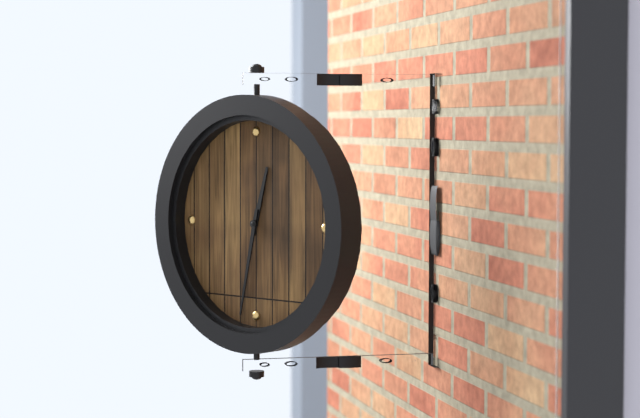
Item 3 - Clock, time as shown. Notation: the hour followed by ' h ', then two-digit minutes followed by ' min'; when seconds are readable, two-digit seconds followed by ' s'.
12 h 32 min
